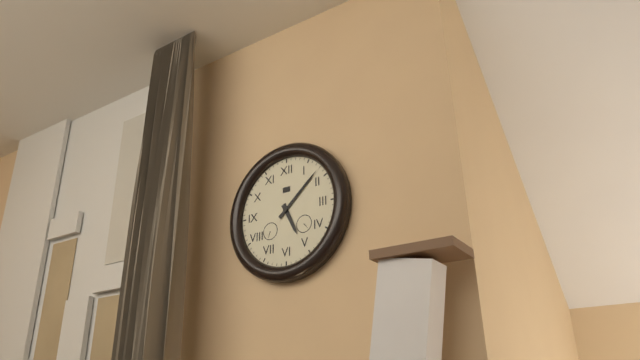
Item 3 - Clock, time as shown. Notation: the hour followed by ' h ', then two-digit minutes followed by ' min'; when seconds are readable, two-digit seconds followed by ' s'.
5 h 08 min
